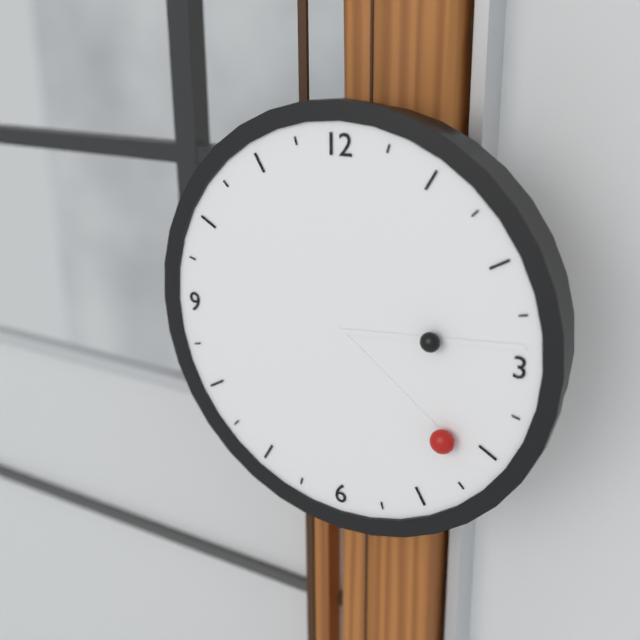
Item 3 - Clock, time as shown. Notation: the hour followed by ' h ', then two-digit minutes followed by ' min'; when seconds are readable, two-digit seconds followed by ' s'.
4 h 14 min
